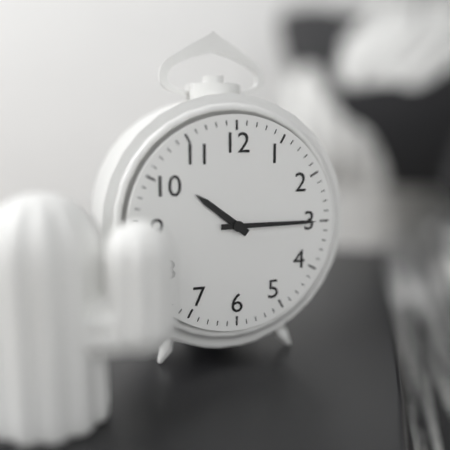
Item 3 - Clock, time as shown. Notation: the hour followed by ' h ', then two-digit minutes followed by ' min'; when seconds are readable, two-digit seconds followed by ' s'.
10 h 15 min
